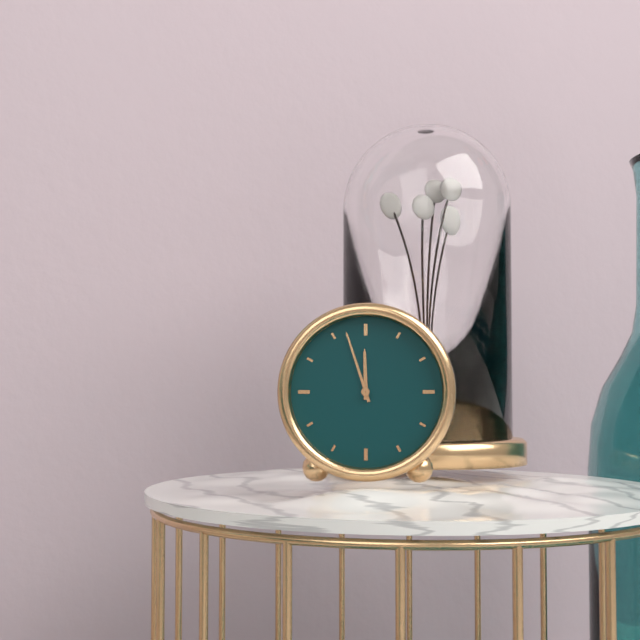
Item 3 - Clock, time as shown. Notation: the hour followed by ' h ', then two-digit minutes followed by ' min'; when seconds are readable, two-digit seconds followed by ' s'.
11 h 57 min
